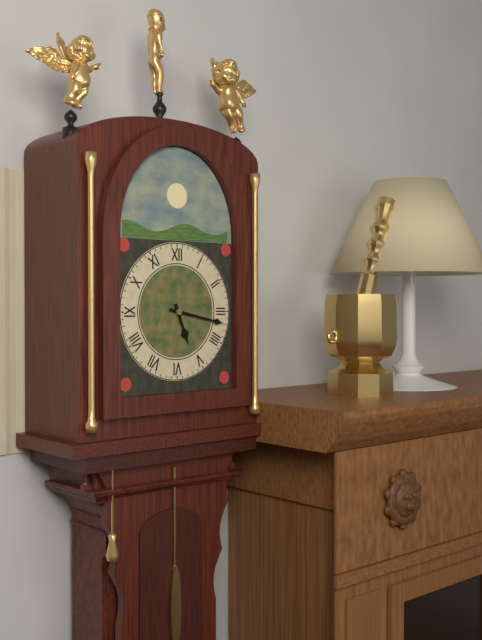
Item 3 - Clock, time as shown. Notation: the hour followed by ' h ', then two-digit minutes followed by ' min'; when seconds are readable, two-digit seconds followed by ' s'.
5 h 17 min
